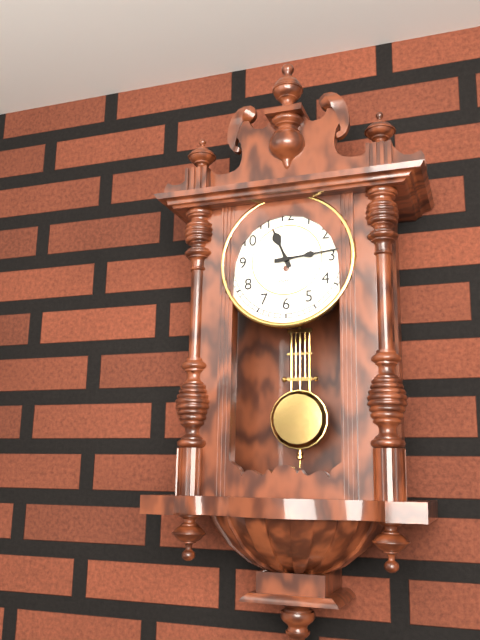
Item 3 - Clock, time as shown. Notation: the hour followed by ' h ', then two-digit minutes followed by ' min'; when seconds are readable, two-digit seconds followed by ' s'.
11 h 14 min
